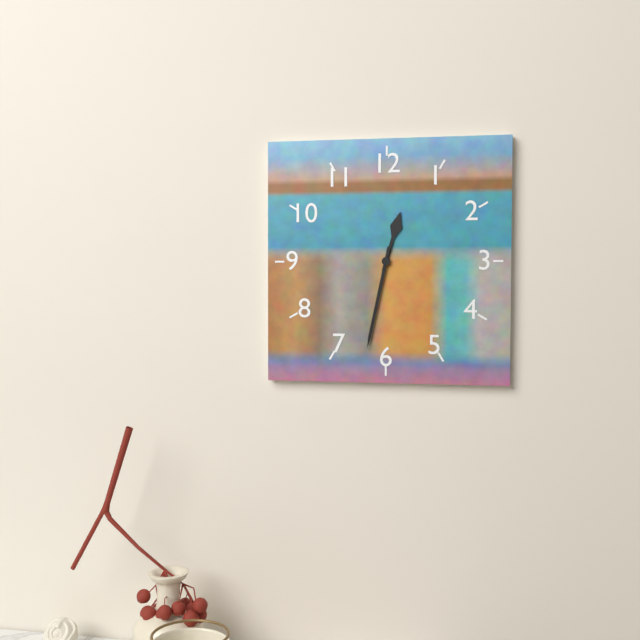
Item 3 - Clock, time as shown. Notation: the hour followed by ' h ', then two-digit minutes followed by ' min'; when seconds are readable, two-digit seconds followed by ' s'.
12 h 32 min
